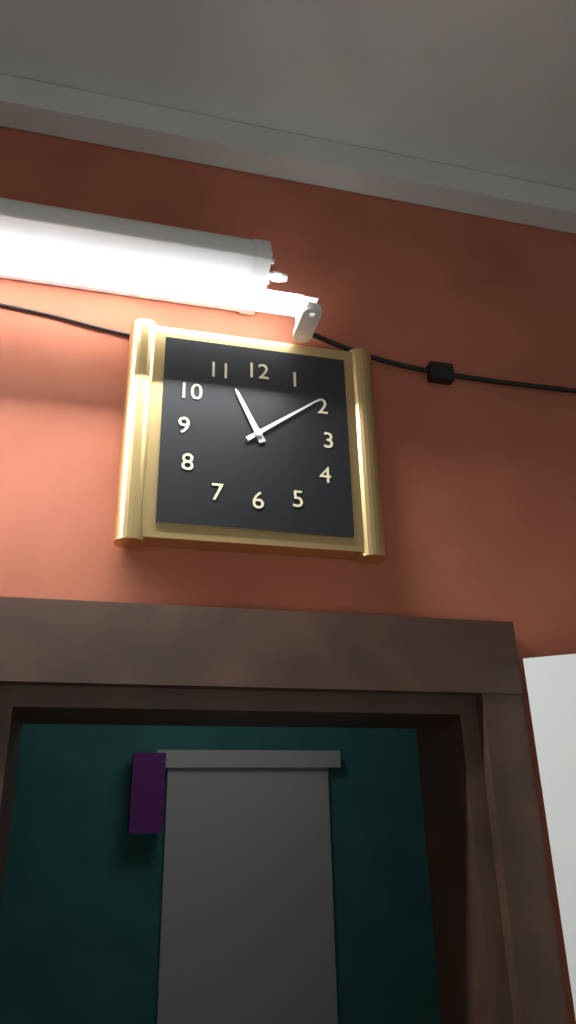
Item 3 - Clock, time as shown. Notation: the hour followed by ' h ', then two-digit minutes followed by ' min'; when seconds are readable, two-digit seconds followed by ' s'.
11 h 09 min
